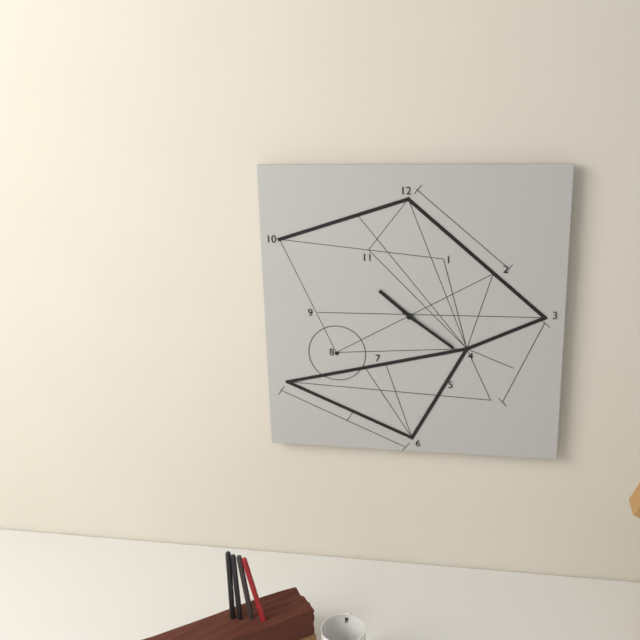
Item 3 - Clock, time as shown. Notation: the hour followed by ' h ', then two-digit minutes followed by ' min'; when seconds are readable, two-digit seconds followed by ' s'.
10 h 21 min
